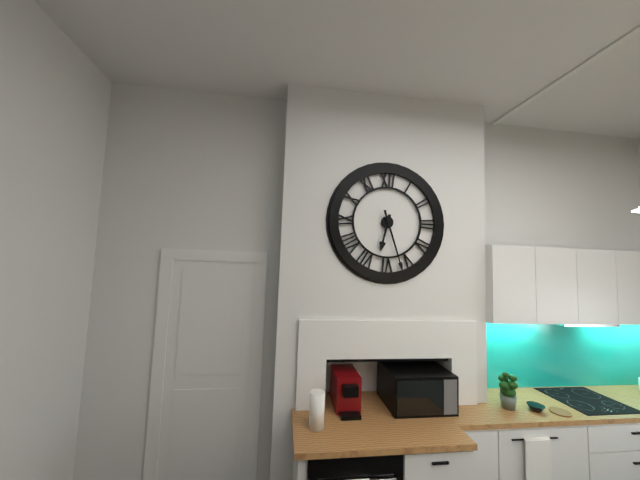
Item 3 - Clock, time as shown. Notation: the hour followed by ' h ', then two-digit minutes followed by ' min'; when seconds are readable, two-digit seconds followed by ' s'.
6 h 27 min
